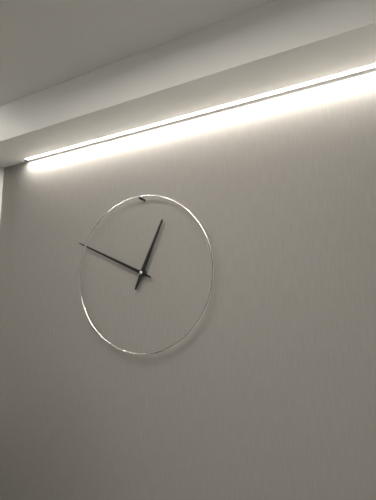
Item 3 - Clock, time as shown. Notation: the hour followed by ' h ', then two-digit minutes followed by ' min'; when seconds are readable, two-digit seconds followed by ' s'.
12 h 49 min
